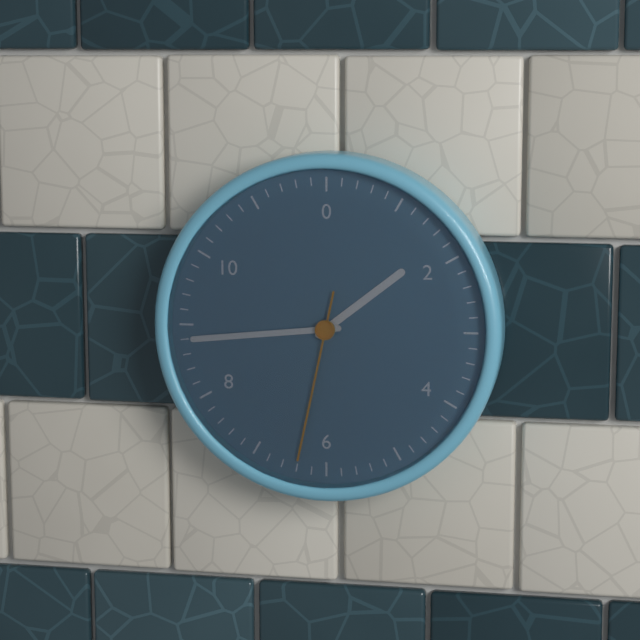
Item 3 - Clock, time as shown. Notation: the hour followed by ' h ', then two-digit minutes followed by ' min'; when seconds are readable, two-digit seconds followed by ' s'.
1 h 44 min 32 s
